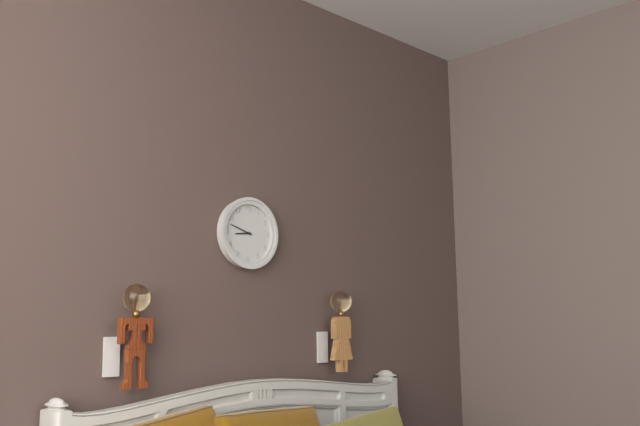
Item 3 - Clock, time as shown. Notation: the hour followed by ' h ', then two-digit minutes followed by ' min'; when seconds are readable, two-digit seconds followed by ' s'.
8 h 48 min
